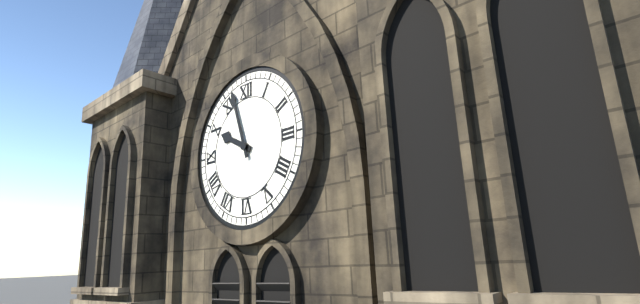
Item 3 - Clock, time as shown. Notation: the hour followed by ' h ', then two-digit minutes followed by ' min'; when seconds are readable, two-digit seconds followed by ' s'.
9 h 57 min
